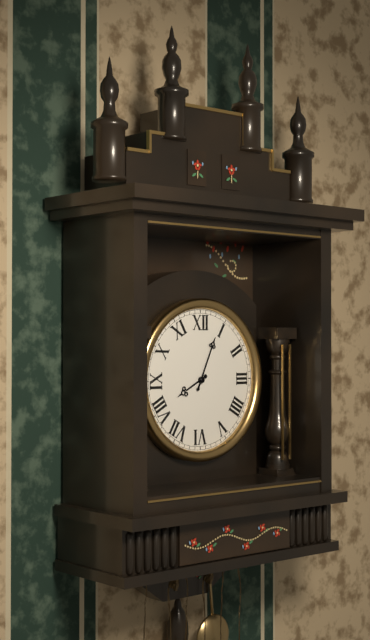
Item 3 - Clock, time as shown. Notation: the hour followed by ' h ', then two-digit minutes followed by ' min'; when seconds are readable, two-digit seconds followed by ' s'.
8 h 04 min
